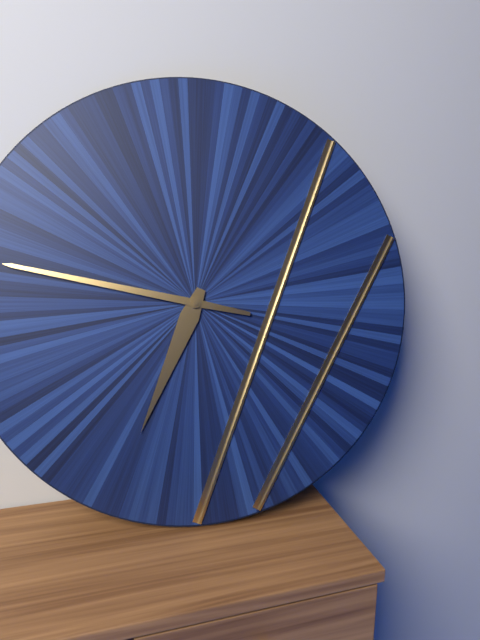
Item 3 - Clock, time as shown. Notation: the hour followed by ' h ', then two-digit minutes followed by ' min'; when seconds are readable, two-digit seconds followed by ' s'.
6 h 47 min
